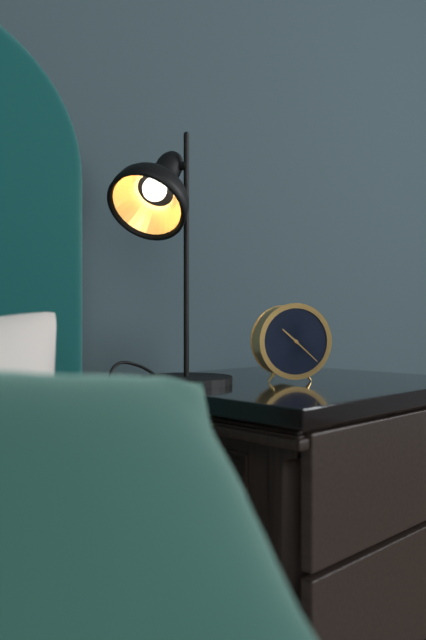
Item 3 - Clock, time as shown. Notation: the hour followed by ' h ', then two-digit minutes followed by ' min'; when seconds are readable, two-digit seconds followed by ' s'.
10 h 22 min
